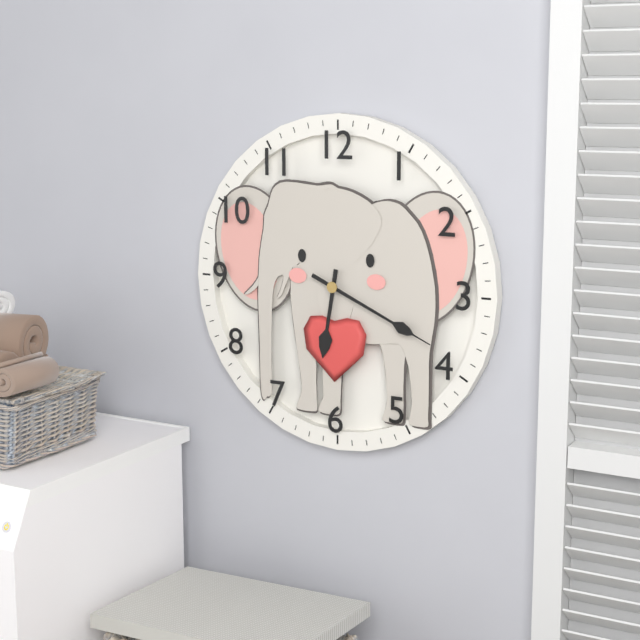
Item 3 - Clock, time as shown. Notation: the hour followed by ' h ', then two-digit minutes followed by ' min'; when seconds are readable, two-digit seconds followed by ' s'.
6 h 19 min
